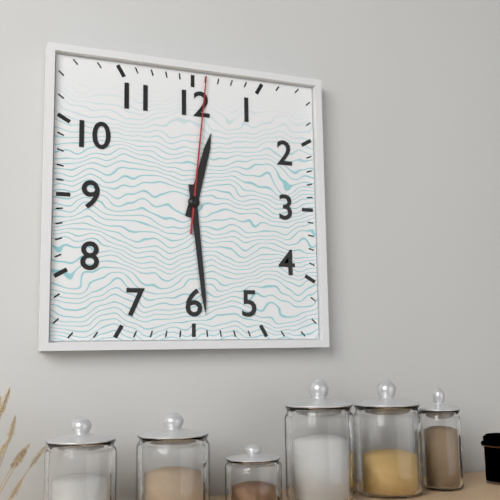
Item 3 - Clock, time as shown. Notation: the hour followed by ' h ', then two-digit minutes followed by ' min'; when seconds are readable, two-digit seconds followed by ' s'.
12 h 29 min 01 s
